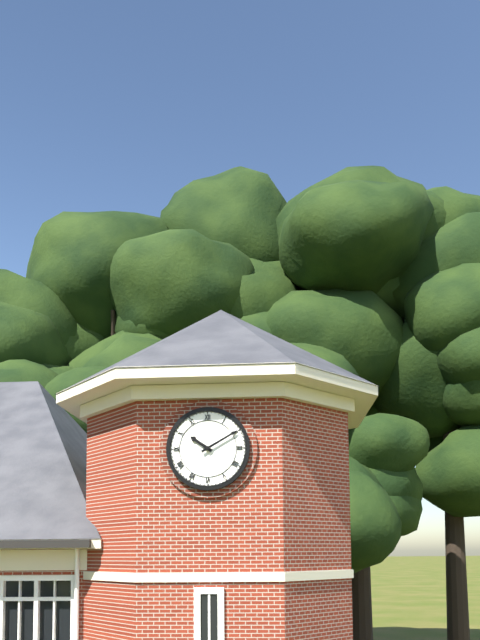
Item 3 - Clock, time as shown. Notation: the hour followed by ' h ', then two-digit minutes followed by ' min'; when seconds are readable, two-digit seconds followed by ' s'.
10 h 10 min
